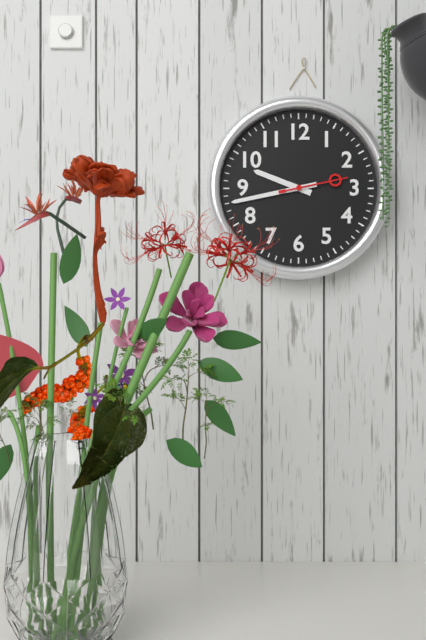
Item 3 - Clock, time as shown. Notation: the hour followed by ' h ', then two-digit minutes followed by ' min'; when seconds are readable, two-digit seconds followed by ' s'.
9 h 43 min 13 s
